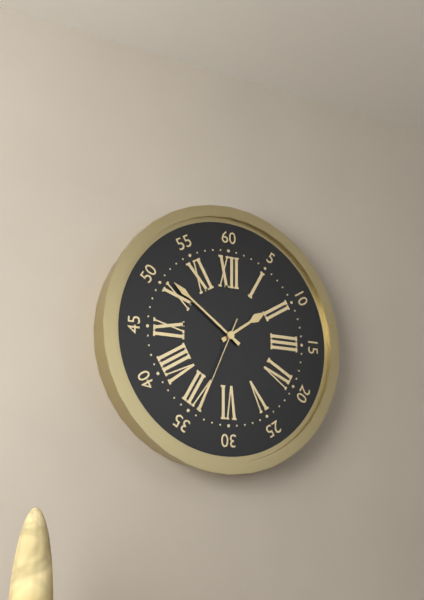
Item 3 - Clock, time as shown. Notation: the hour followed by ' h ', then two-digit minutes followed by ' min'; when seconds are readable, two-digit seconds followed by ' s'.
1 h 51 min 34 s
